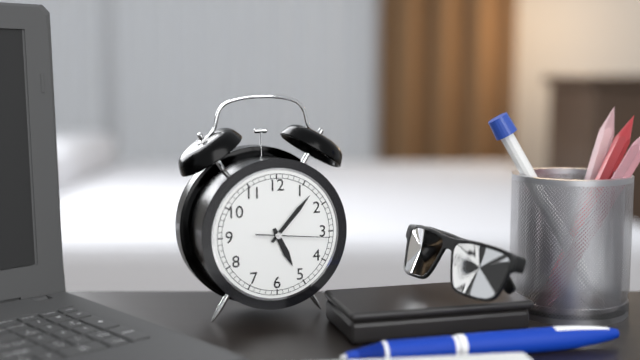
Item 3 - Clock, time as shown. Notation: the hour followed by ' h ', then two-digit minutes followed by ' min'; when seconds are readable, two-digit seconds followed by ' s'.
5 h 07 min 16 s
